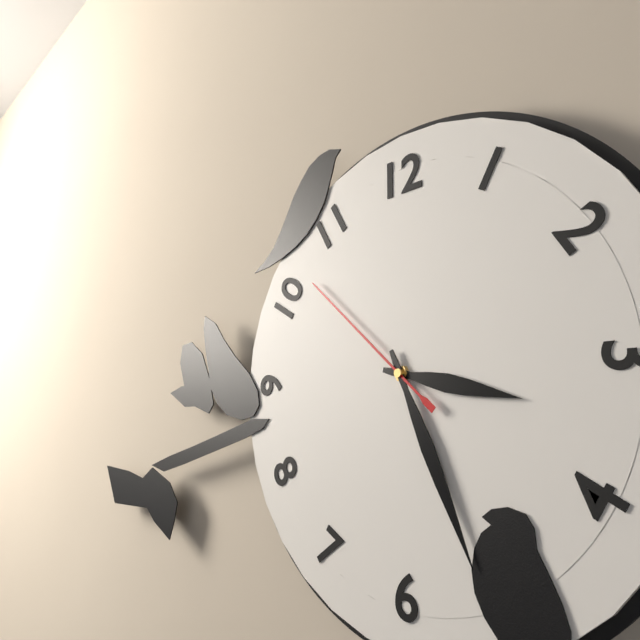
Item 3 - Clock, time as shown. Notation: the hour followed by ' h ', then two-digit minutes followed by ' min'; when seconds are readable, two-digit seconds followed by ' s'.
3 h 26 min 52 s
